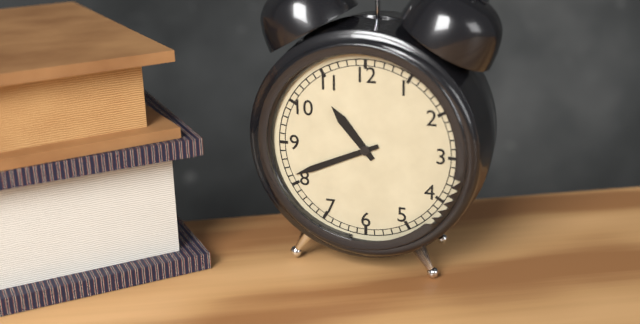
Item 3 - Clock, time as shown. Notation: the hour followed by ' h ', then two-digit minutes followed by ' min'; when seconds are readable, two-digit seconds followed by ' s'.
10 h 41 min
